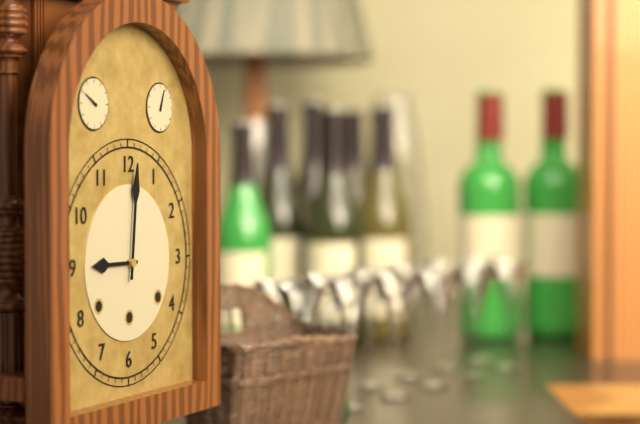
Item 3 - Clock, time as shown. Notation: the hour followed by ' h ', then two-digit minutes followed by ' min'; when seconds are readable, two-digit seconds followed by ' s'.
9 h 01 min
